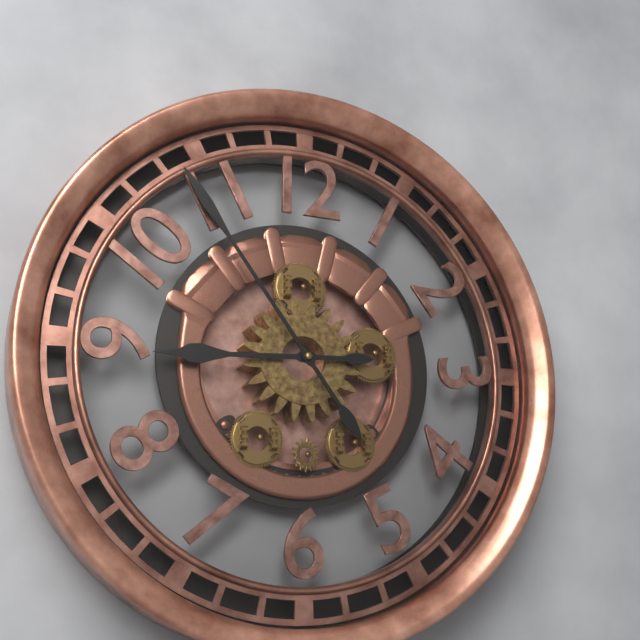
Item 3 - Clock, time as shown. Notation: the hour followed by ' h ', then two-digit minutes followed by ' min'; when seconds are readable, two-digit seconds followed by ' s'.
8 h 54 min
